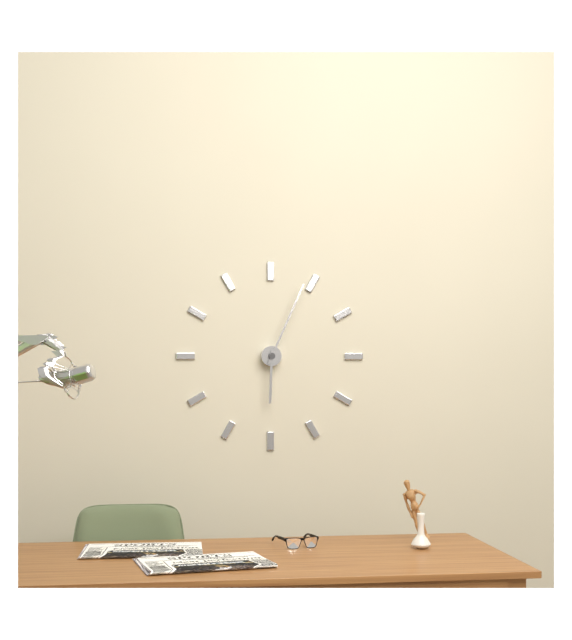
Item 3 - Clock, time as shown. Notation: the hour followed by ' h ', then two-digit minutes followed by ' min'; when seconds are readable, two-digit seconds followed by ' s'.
6 h 04 min
